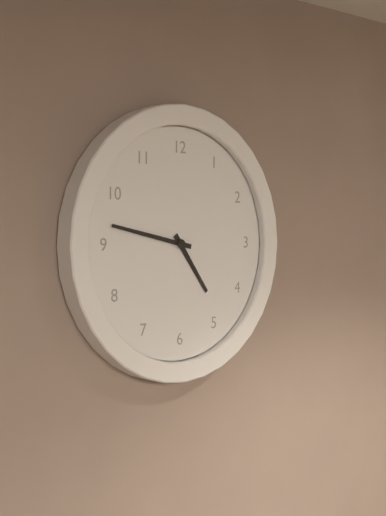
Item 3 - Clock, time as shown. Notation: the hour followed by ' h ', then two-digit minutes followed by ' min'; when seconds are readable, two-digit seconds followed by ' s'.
4 h 47 min
